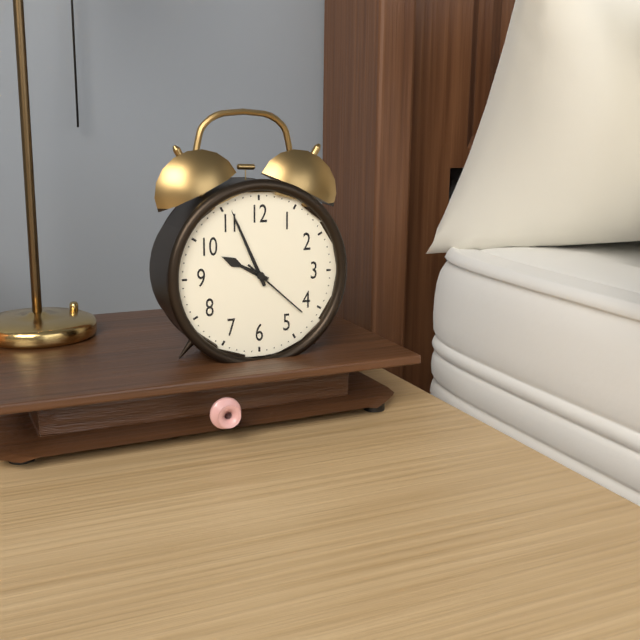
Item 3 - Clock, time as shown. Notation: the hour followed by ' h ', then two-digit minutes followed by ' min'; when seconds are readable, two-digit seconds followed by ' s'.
9 h 56 min 22 s
